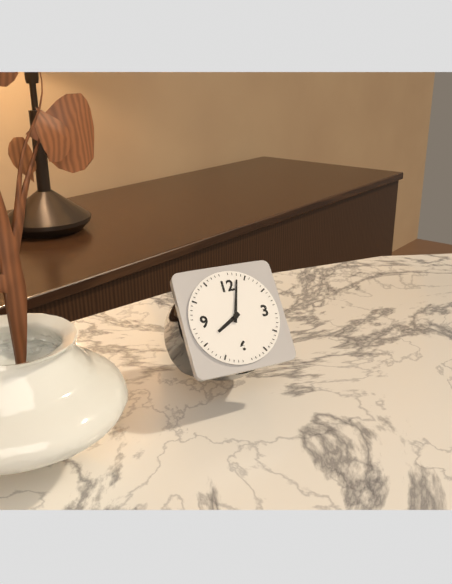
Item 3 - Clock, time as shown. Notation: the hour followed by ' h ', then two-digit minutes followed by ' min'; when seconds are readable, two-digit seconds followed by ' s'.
8 h 03 min
